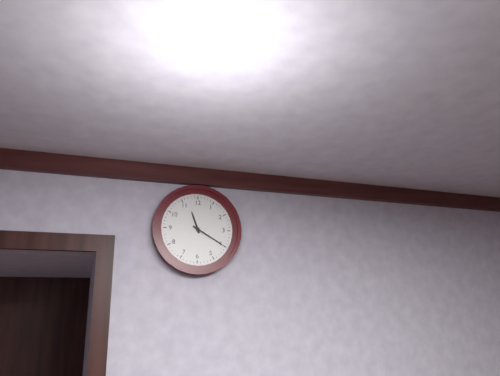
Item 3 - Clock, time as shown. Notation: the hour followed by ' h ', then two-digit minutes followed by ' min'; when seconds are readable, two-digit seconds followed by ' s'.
11 h 20 min
